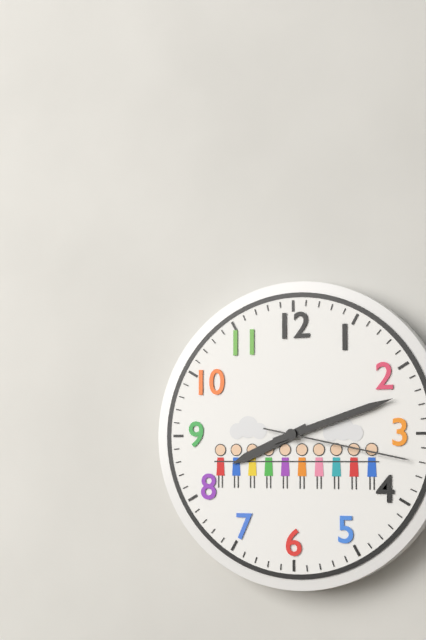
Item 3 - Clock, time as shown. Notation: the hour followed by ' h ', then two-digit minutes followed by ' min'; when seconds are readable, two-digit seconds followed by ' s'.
8 h 12 min 17 s
